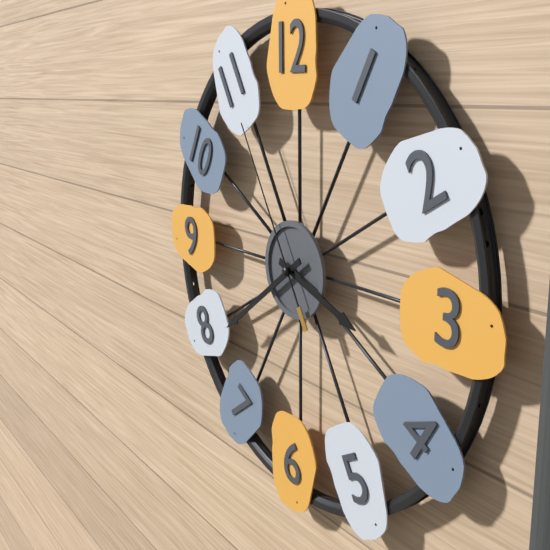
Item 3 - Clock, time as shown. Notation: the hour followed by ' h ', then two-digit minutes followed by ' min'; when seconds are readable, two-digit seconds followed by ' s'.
3 h 39 min 55 s
